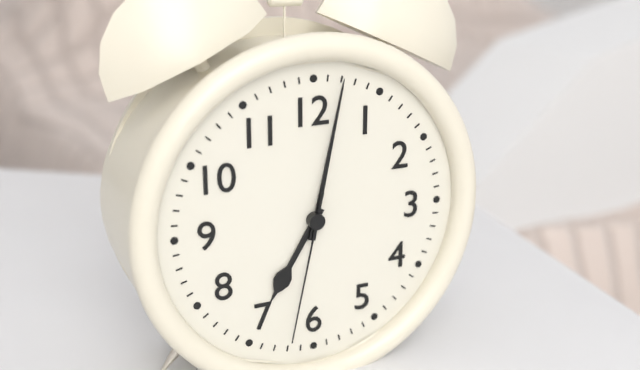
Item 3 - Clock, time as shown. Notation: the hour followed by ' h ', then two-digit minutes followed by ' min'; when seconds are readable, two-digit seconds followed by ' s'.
7 h 02 min 32 s
